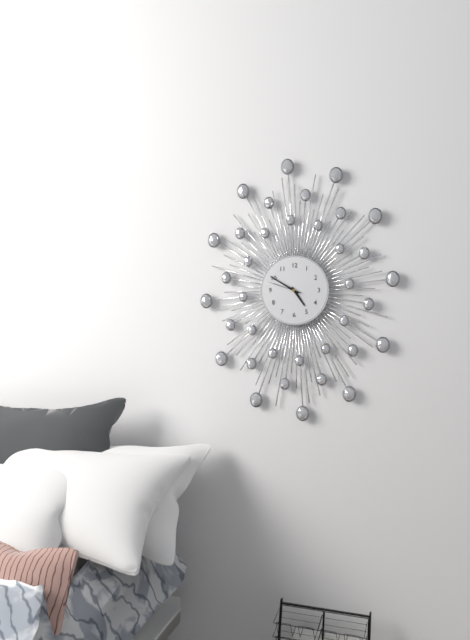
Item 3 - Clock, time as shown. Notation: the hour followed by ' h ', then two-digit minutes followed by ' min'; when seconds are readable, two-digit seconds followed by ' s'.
4 h 50 min
